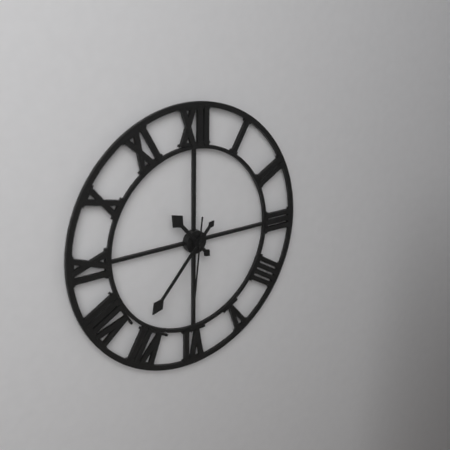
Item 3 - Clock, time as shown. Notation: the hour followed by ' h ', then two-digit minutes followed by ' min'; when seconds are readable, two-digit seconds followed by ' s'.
10 h 37 min 31 s
